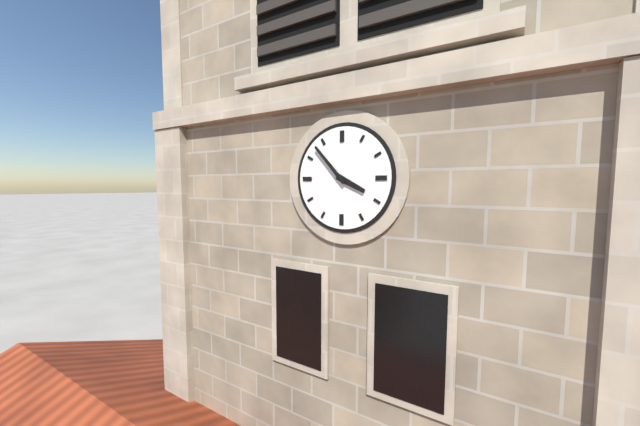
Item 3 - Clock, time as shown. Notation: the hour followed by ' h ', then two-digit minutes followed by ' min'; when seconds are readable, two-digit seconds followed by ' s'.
3 h 53 min
